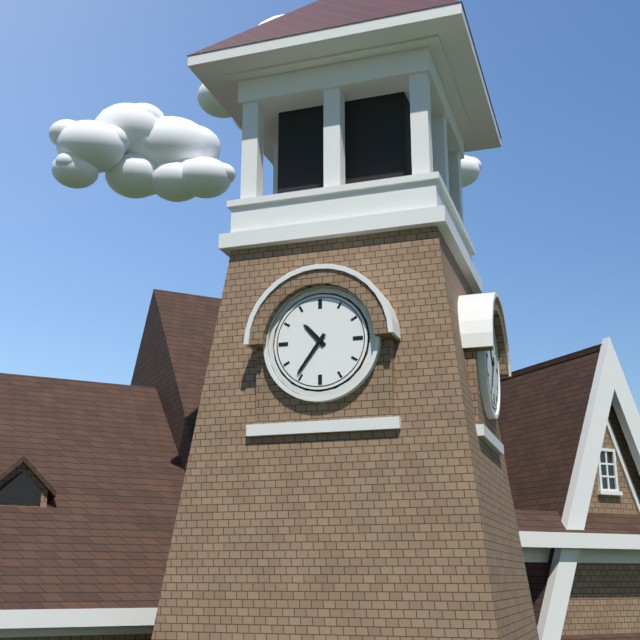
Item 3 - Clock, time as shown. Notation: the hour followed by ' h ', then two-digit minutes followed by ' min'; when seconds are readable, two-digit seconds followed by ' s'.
10 h 36 min
